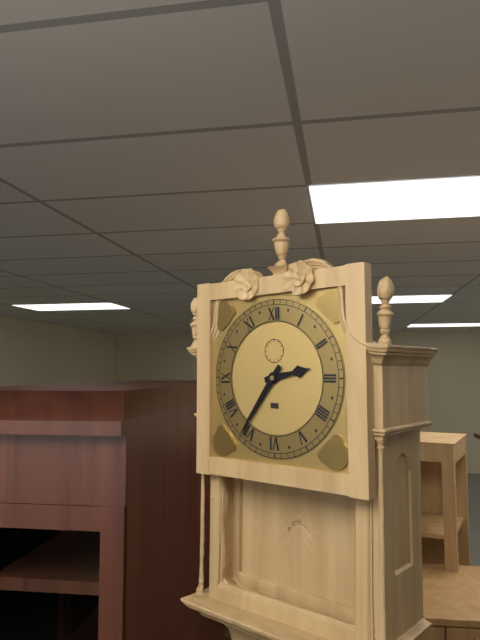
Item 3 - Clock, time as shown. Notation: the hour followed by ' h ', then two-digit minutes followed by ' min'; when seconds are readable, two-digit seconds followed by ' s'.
2 h 36 min
